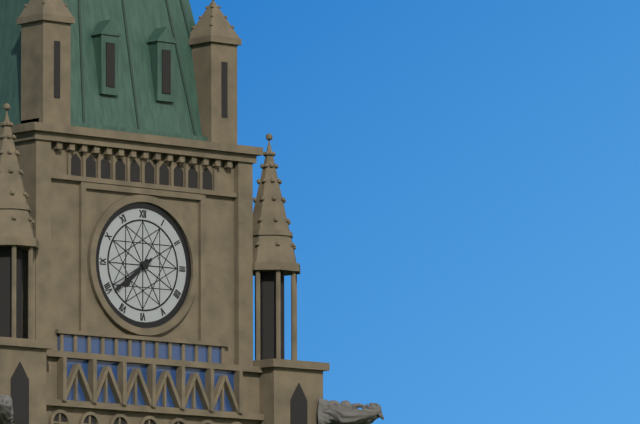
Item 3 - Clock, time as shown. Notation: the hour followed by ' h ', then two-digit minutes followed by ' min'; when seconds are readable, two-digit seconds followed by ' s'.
7 h 39 min
